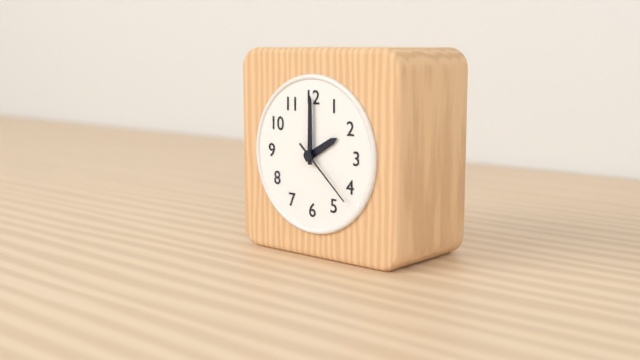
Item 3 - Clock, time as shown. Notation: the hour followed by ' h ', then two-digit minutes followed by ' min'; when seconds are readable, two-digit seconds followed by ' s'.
2 h 00 min 22 s
